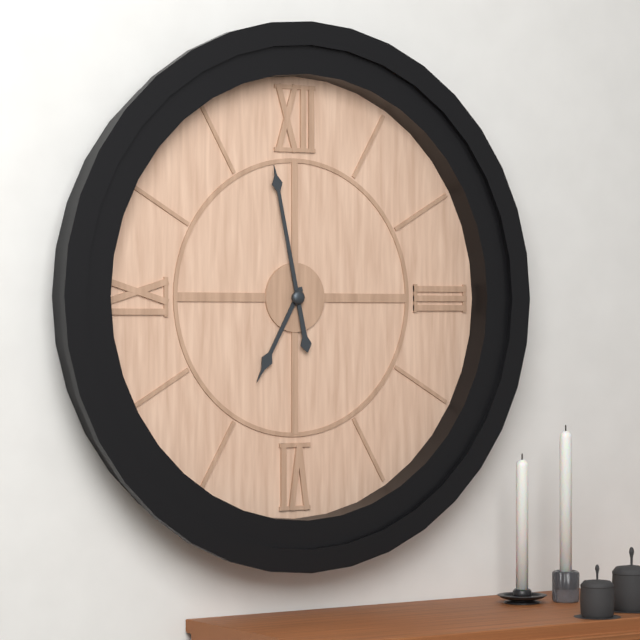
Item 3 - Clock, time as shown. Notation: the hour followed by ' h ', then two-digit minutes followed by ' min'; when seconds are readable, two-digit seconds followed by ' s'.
6 h 58 min
